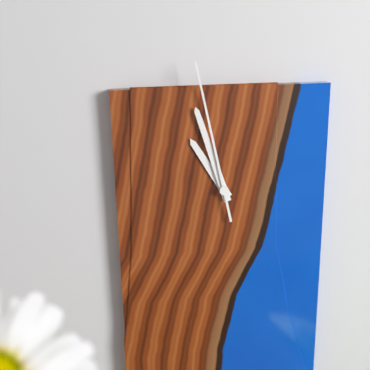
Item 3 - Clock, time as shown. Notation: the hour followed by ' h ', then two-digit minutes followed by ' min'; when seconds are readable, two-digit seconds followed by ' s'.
10 h 57 min 58 s
